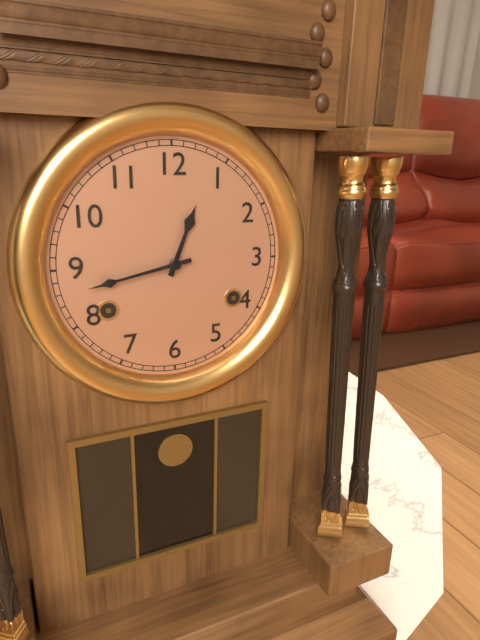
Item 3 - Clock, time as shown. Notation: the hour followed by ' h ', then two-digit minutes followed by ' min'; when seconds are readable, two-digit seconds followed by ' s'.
12 h 43 min
